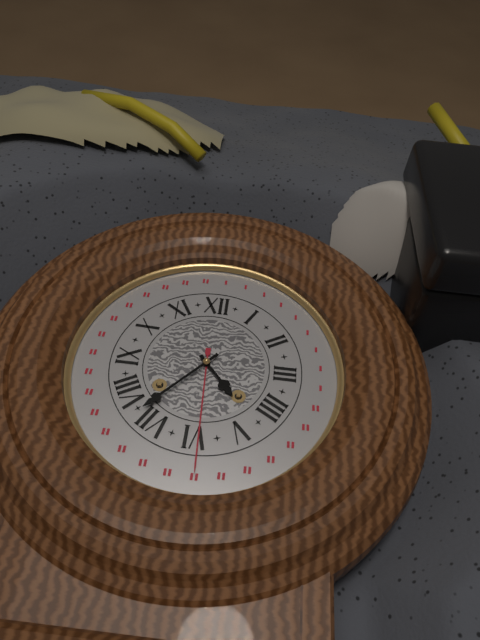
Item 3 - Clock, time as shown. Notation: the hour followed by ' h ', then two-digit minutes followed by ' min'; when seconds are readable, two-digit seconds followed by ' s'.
4 h 37 min
